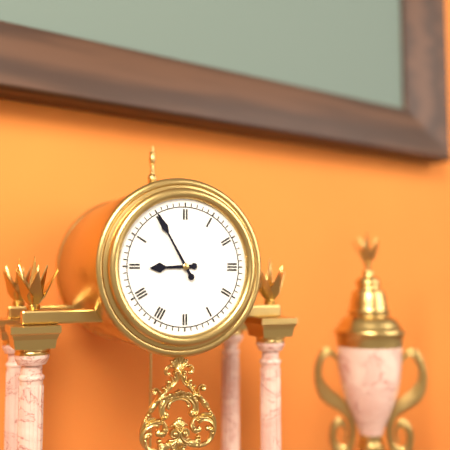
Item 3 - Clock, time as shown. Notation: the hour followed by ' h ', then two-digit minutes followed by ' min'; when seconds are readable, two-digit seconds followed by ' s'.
8 h 55 min
